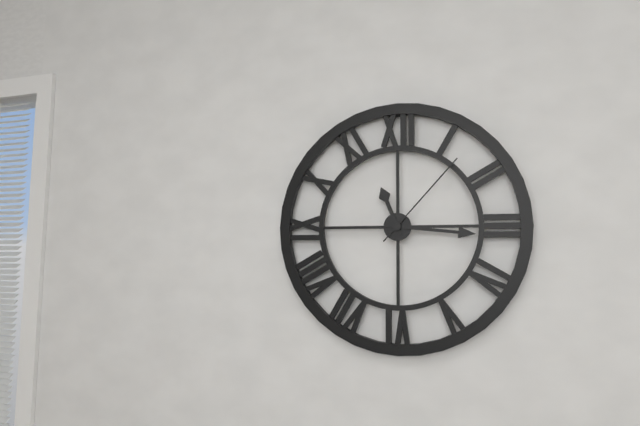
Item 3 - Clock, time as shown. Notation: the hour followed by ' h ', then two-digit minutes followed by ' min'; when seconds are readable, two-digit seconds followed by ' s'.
11 h 16 min 07 s
